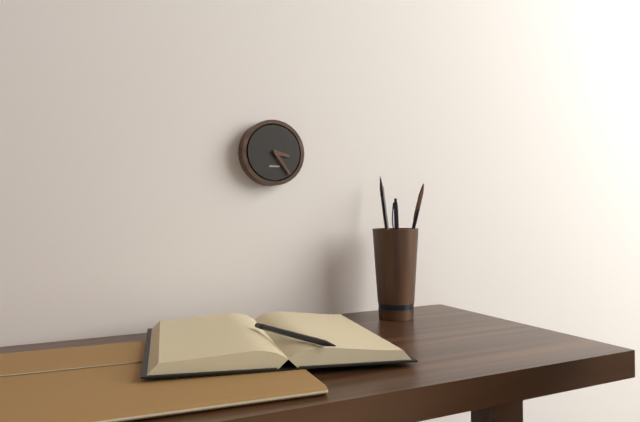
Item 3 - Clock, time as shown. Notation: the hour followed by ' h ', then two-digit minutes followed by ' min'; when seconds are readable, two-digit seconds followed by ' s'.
3 h 24 min
